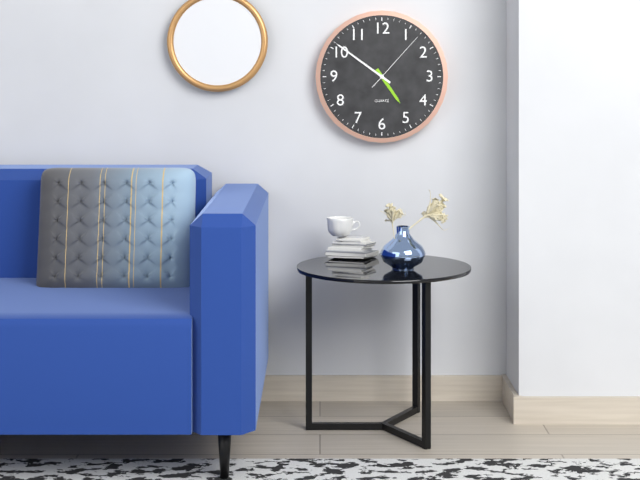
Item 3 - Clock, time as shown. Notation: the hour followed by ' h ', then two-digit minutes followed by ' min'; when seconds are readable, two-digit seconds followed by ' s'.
4 h 51 min 07 s
